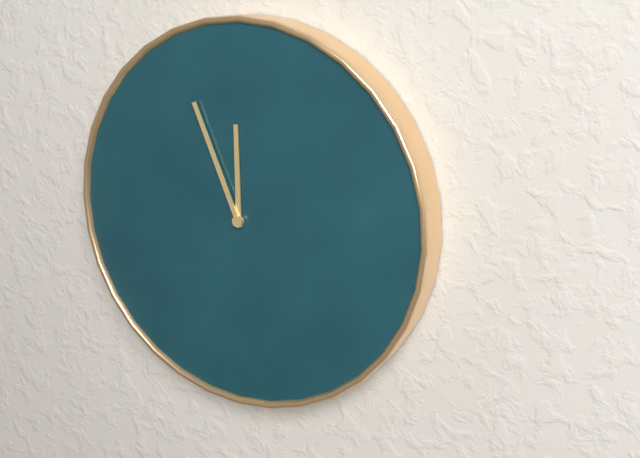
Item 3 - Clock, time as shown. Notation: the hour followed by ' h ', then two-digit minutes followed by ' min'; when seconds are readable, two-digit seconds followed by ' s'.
11 h 56 min
